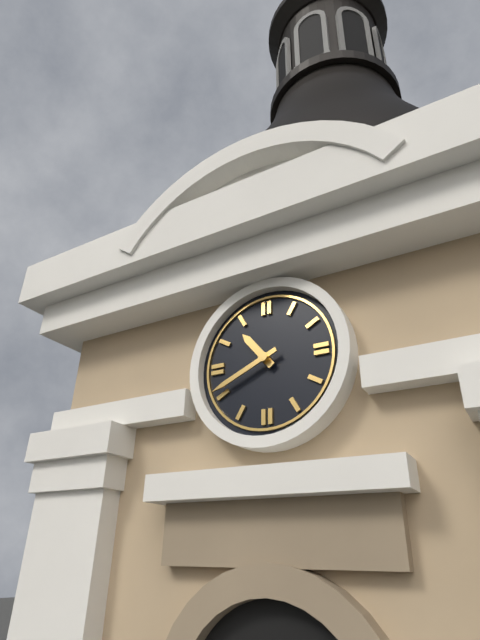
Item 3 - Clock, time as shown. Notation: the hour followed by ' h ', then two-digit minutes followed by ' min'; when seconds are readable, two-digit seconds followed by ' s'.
10 h 41 min
